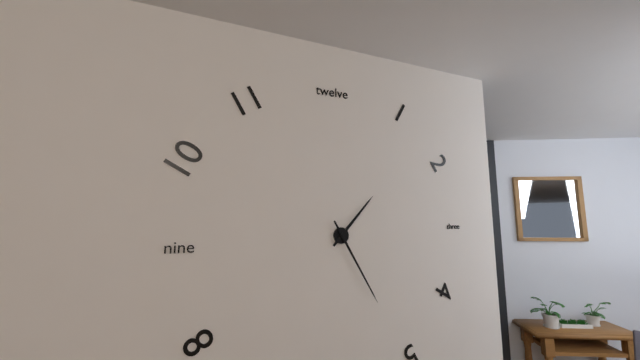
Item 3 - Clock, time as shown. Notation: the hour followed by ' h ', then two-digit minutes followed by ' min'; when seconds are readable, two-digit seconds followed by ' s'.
1 h 25 min
